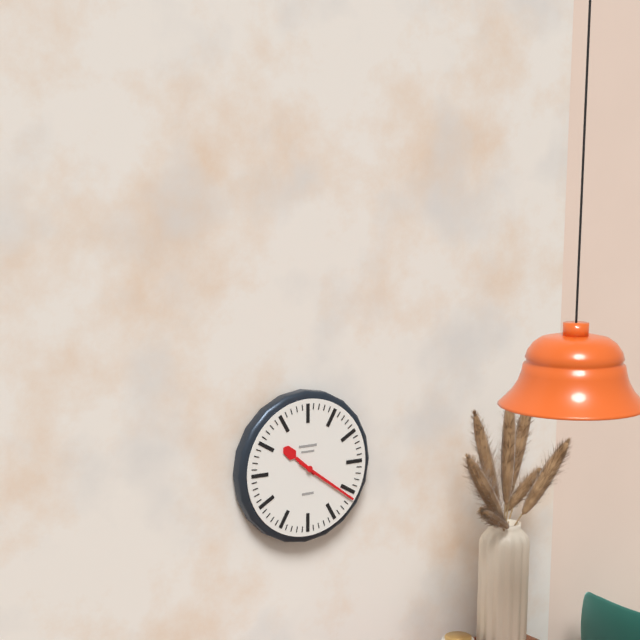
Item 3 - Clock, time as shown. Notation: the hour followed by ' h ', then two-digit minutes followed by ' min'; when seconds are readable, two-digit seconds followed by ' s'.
10 h 21 min
